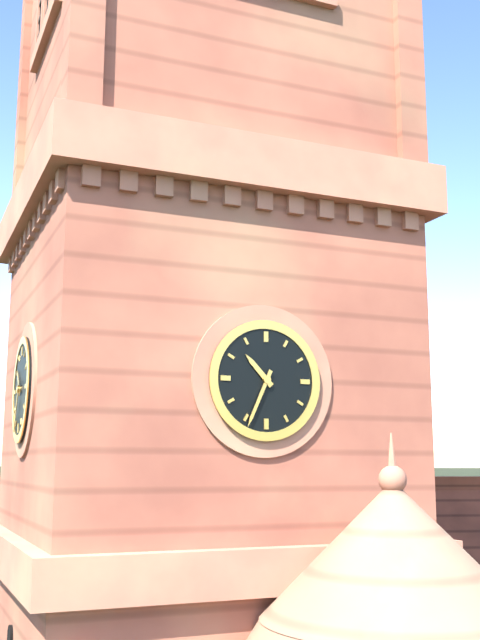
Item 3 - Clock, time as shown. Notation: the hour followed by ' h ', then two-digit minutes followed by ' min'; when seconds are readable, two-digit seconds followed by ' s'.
10 h 34 min
